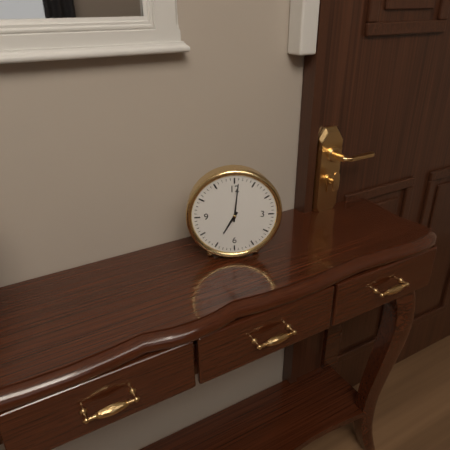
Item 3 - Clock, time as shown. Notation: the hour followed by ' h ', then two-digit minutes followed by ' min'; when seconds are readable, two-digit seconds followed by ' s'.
7 h 01 min
